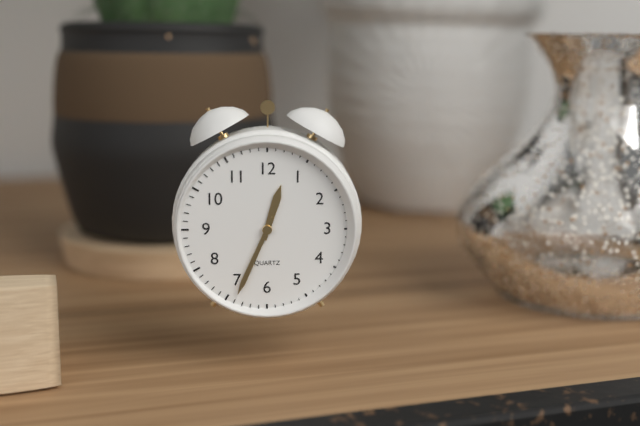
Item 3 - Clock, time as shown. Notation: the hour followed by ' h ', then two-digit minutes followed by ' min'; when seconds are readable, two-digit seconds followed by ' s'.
12 h 34 min
